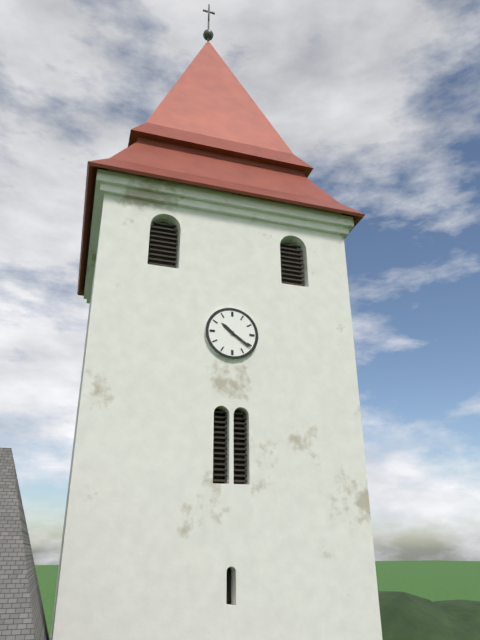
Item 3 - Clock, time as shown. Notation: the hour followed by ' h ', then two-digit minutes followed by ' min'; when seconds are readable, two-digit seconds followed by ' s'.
10 h 21 min
